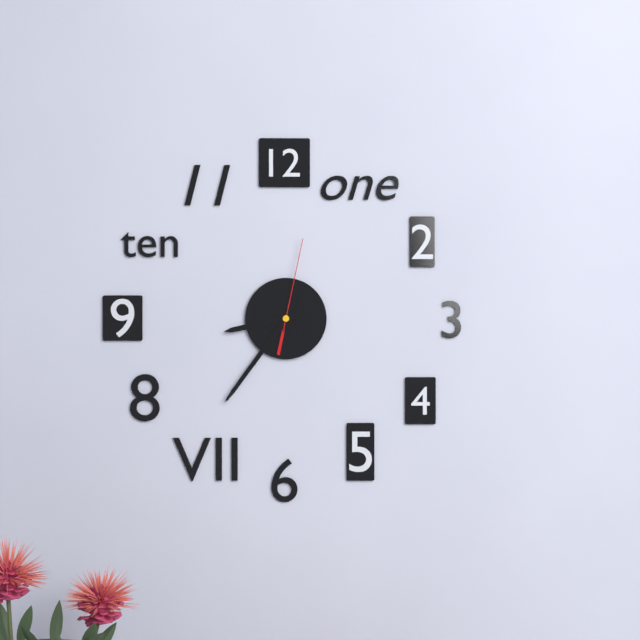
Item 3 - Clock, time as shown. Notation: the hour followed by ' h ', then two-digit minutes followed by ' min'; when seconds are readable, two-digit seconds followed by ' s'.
8 h 36 min 02 s
